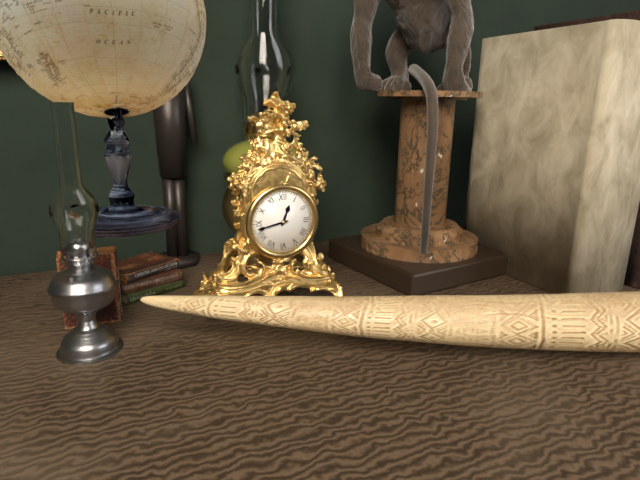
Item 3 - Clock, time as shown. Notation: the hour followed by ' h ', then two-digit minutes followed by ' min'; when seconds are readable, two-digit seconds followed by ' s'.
12 h 43 min
